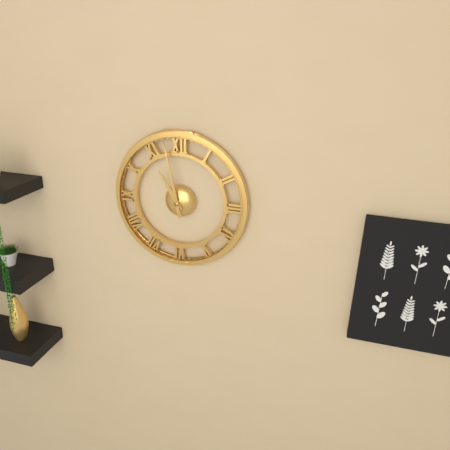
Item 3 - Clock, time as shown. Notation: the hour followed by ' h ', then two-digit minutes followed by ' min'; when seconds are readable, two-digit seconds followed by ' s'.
10 h 58 min
